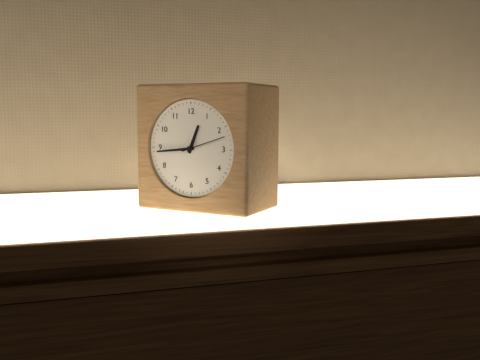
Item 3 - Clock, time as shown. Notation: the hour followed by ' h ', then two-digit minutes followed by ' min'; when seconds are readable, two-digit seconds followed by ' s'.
12 h 44 min
